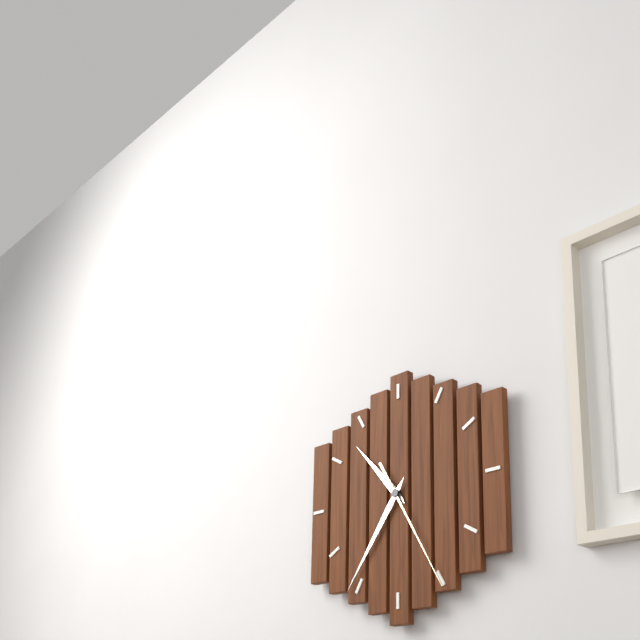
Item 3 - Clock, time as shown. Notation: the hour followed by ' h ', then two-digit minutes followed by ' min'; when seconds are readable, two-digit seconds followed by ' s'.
10 h 36 min 25 s
